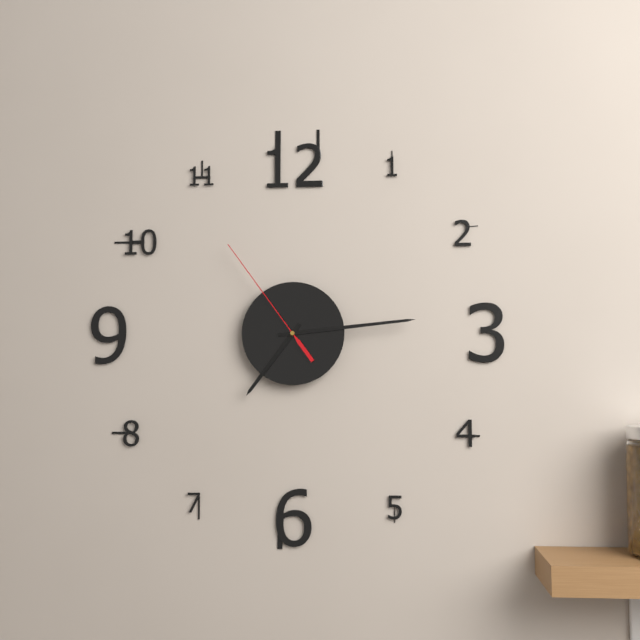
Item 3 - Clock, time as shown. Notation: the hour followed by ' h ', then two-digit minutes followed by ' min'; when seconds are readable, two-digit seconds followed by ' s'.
7 h 14 min 54 s
